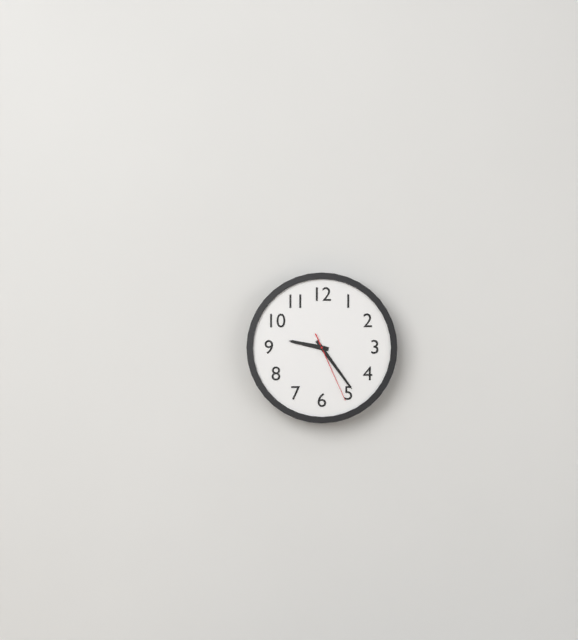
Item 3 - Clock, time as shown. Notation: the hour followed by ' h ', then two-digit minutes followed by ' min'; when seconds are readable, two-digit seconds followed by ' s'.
9 h 24 min 26 s
